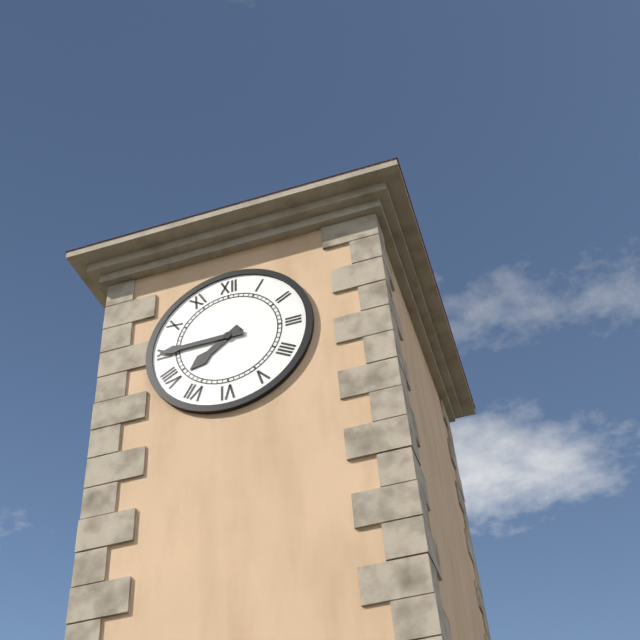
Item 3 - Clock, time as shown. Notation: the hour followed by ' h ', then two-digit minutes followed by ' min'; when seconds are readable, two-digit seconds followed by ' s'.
7 h 45 min
